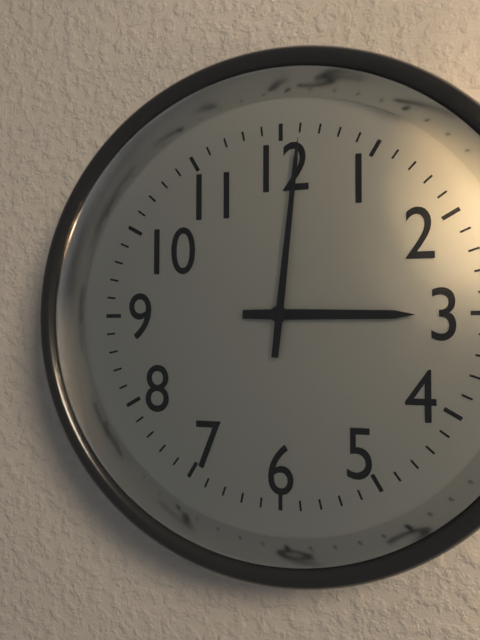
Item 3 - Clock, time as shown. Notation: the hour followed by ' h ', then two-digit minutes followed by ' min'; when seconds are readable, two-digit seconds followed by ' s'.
3 h 01 min
